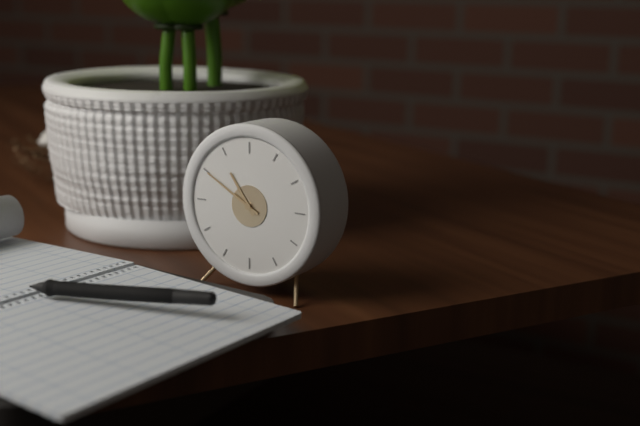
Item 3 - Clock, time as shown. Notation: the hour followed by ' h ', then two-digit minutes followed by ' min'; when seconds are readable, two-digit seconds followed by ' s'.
10 h 50 min
